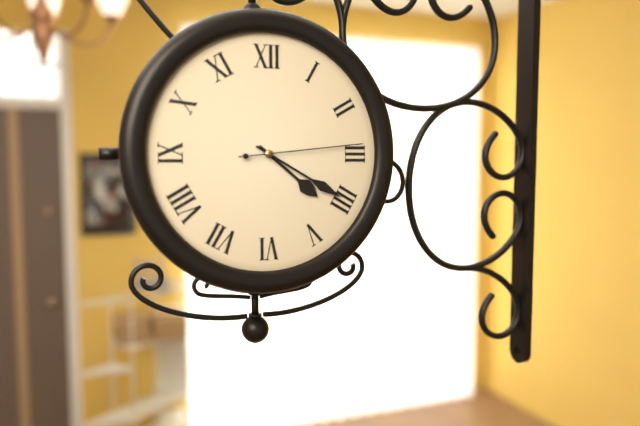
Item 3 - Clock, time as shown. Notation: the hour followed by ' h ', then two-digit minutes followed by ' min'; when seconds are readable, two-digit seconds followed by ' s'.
4 h 20 min 14 s
